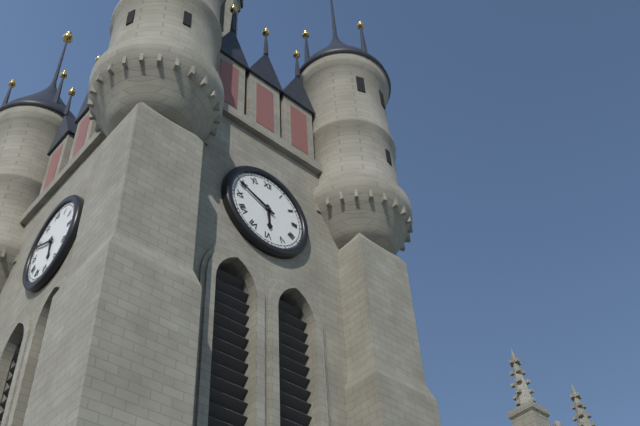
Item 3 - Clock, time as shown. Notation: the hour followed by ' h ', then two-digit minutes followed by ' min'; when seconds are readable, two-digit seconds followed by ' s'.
5 h 49 min
